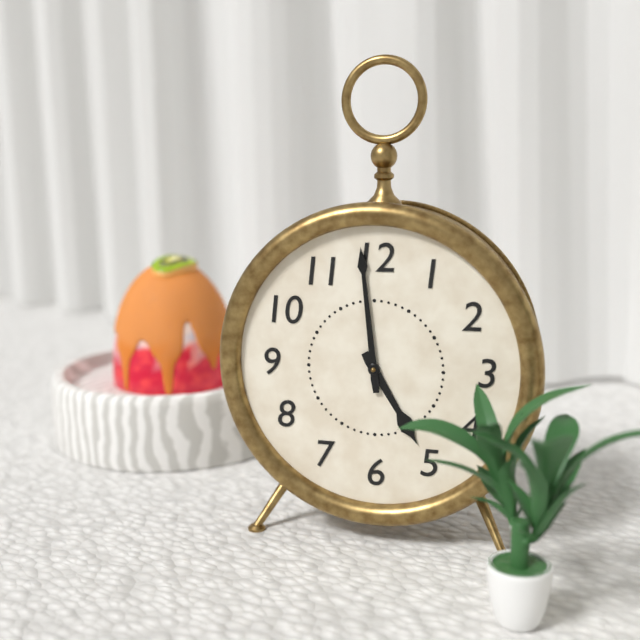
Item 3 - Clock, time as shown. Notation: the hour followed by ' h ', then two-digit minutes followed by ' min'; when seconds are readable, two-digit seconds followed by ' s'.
4 h 59 min
